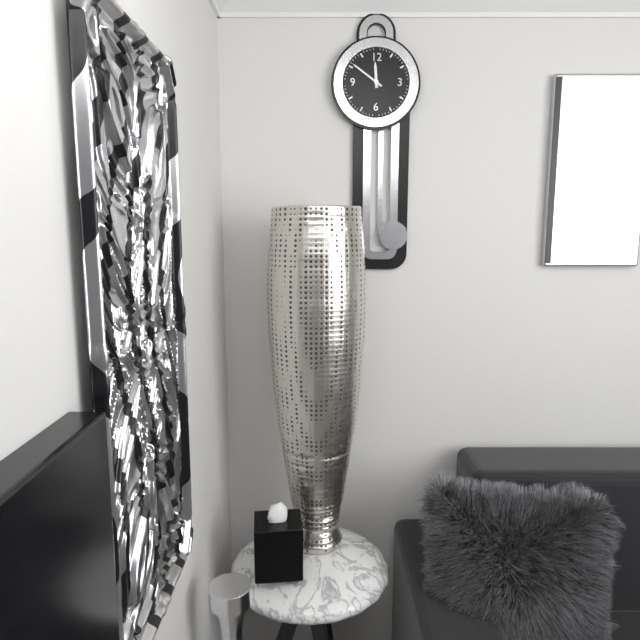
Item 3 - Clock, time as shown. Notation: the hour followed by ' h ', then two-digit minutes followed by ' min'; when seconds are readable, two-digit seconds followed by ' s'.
11 h 51 min
